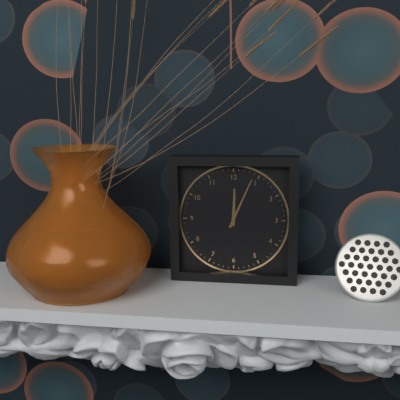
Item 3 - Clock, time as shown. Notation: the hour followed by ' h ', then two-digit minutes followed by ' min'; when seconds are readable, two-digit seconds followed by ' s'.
12 h 04 min
